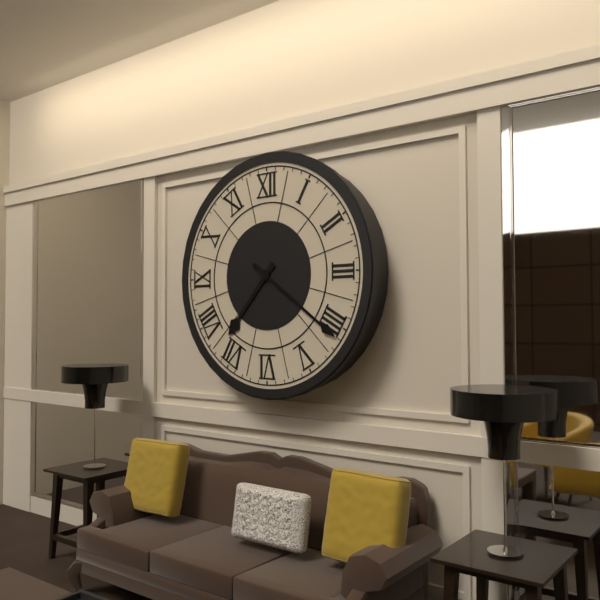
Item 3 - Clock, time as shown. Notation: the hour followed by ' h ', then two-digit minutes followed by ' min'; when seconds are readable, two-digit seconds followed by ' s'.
7 h 21 min
